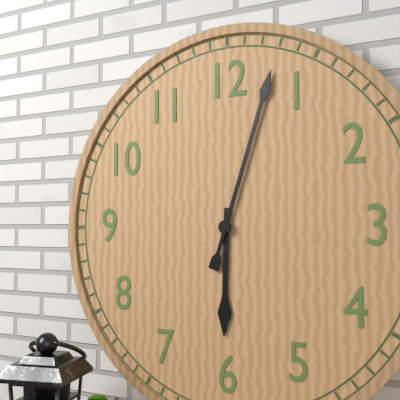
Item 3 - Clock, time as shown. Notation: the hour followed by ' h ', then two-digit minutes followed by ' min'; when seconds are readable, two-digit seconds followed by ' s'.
6 h 03 min
